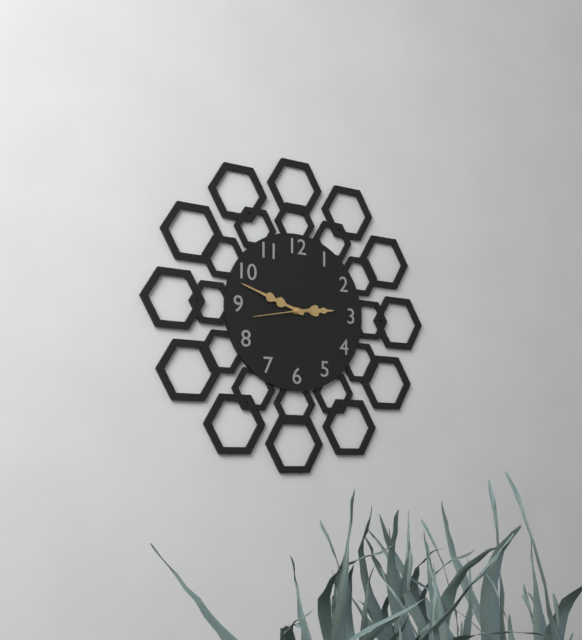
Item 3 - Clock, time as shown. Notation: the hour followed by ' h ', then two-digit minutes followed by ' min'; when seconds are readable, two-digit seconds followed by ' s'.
2 h 48 min 43 s
